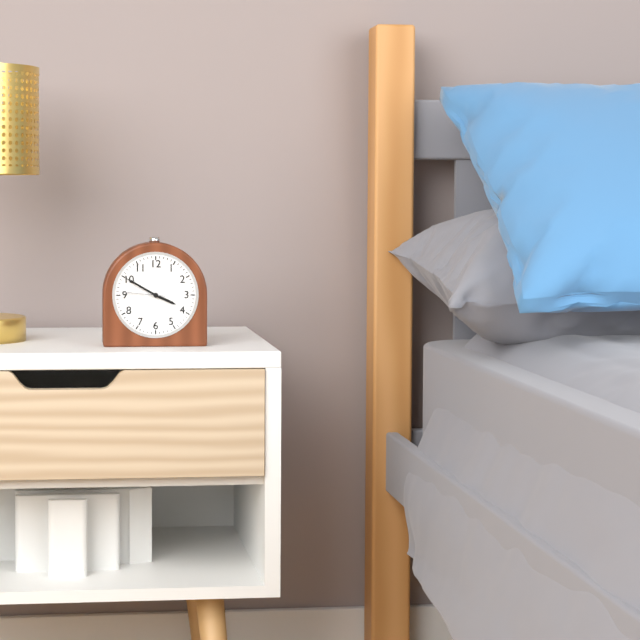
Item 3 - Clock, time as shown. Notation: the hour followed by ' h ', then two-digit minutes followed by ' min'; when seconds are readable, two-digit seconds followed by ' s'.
3 h 50 min
